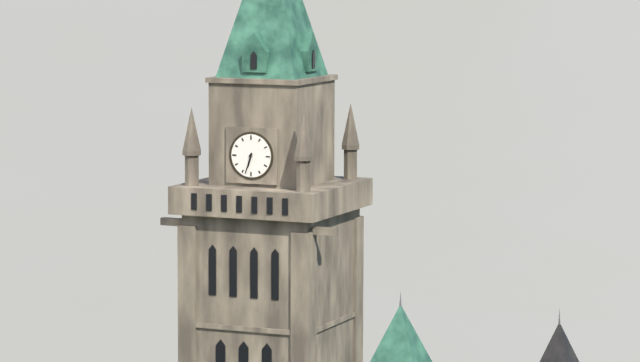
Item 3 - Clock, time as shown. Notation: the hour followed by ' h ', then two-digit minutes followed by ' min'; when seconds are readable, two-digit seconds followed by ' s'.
6 h 33 min
